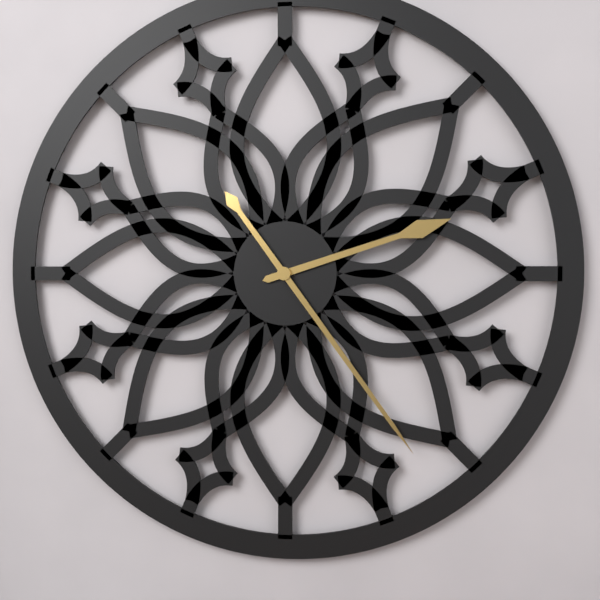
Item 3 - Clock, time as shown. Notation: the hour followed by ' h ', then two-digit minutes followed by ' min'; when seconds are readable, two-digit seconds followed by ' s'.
2 h 24 min
